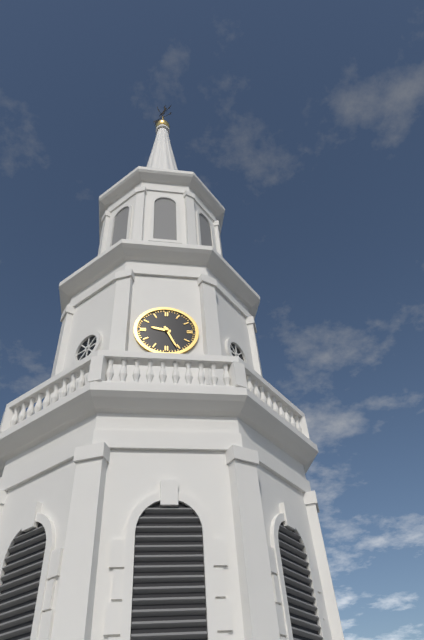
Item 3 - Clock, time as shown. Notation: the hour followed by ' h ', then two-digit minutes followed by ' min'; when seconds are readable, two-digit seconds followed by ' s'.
9 h 26 min
